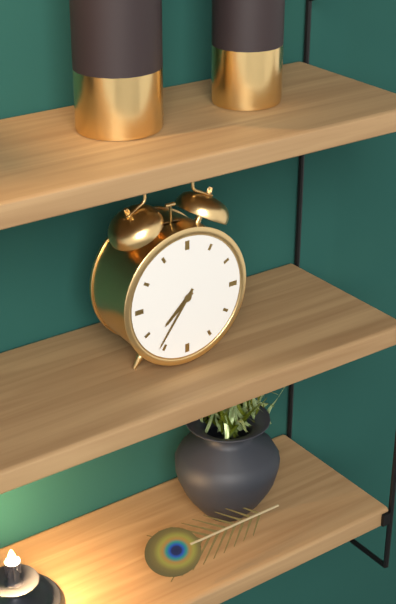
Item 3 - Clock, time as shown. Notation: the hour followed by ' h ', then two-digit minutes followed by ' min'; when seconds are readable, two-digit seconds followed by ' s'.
7 h 36 min
